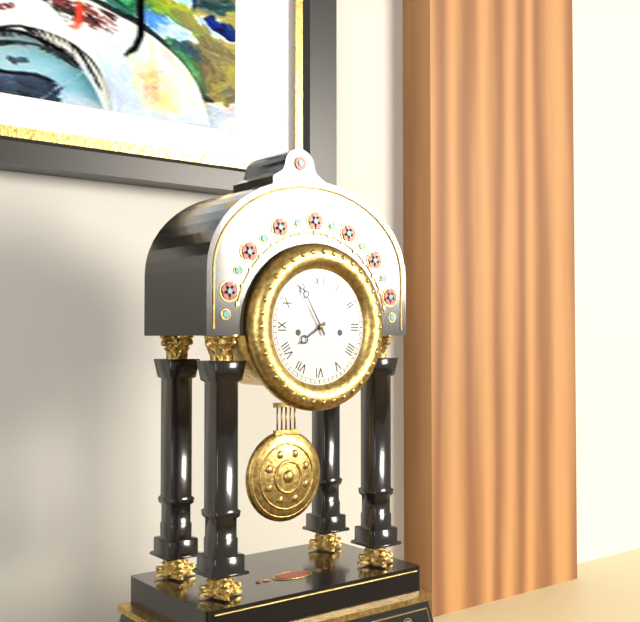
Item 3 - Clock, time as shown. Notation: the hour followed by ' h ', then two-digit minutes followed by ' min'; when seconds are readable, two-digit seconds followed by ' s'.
7 h 55 min
